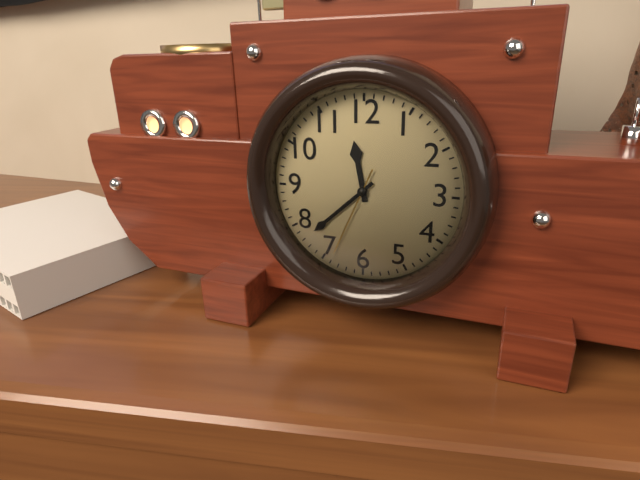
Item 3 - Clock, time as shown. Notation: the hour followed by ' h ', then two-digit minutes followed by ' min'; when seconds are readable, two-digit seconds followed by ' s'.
11 h 38 min 34 s
